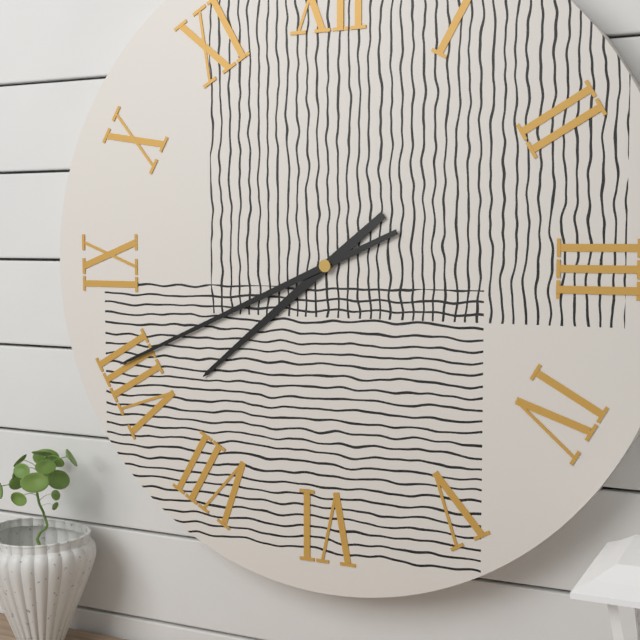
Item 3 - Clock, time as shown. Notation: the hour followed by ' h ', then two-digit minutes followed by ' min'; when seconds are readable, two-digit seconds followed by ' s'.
7 h 41 min
